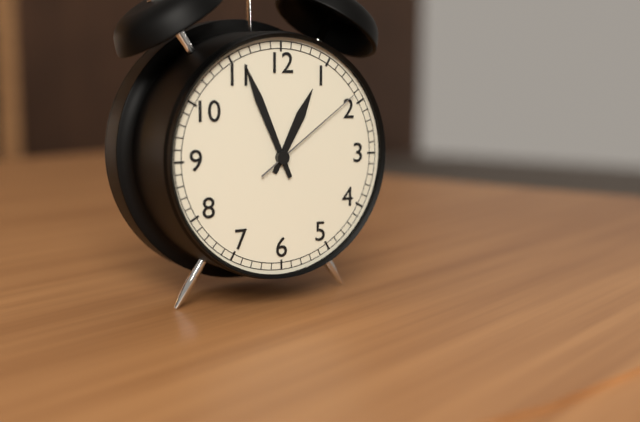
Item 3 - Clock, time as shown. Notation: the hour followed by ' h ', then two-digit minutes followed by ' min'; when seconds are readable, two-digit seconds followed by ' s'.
12 h 56 min 09 s
